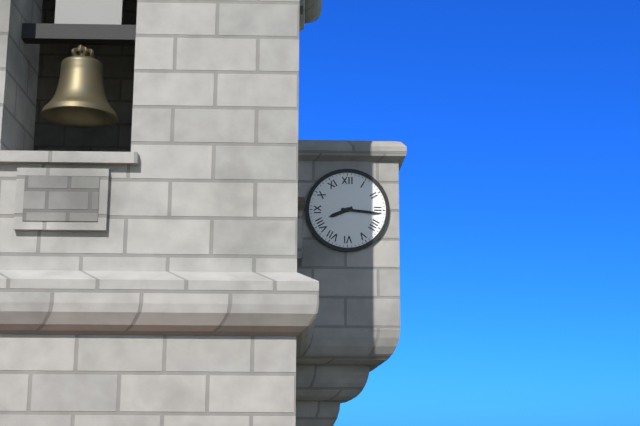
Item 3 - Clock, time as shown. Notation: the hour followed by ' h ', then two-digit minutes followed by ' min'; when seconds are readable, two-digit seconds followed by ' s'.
8 h 16 min
